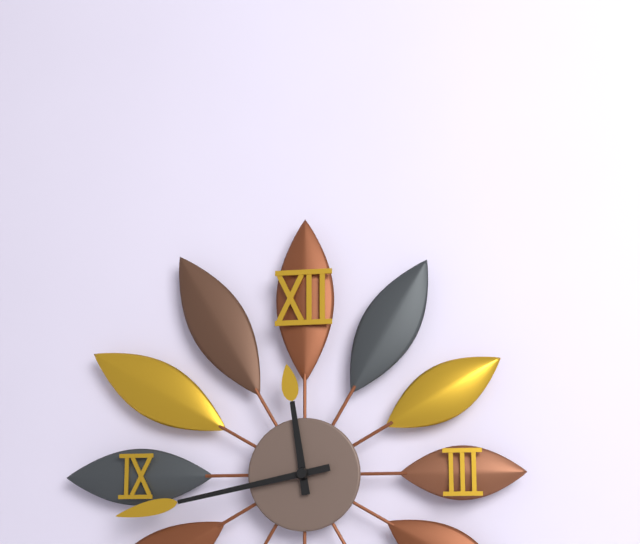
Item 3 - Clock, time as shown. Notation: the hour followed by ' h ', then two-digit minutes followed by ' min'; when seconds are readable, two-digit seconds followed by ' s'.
11 h 43 min
